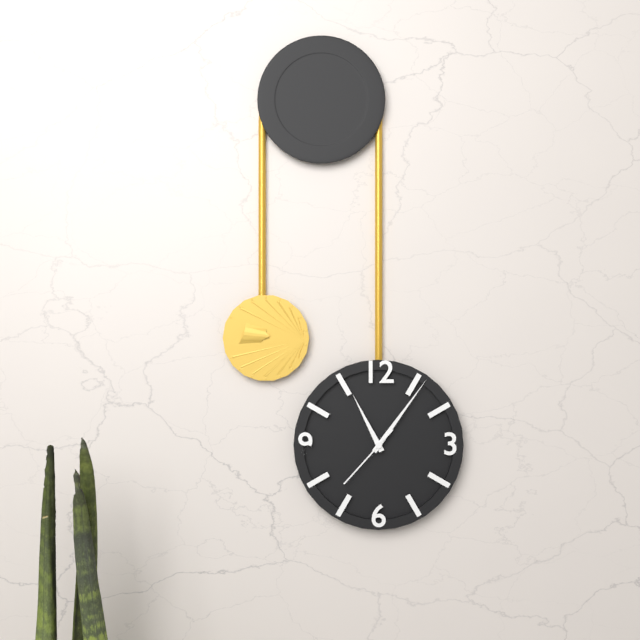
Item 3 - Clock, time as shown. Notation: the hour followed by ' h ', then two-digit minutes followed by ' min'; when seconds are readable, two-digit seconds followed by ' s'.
11 h 06 min 37 s
